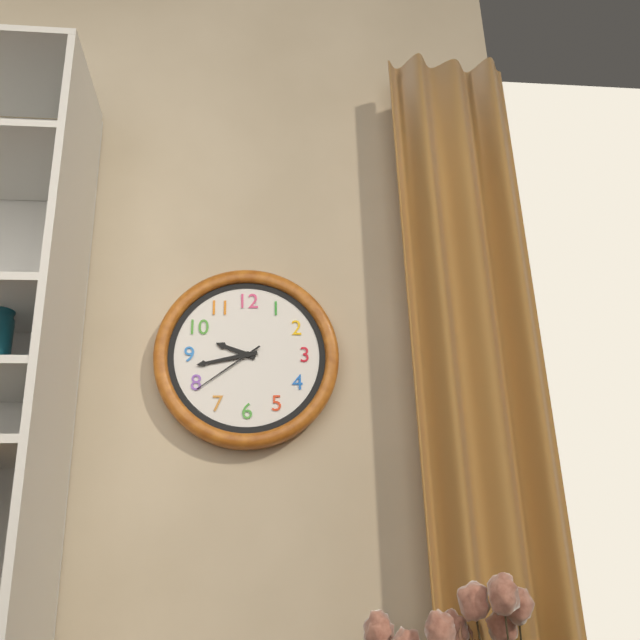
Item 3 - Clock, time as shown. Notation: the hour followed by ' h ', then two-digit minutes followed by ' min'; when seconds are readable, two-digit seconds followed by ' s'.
9 h 43 min 39 s
